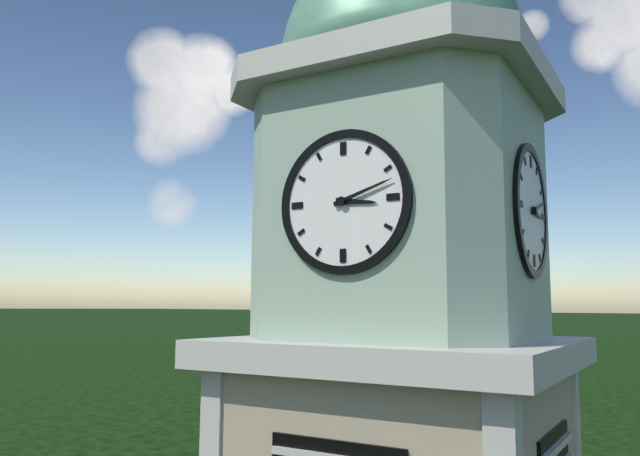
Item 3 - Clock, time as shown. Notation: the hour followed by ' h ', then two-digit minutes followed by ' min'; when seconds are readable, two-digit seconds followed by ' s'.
3 h 12 min
